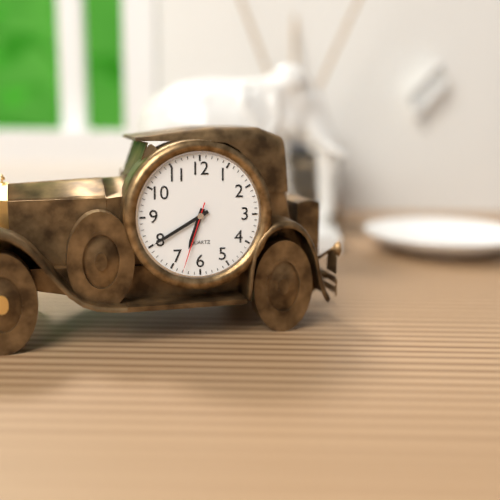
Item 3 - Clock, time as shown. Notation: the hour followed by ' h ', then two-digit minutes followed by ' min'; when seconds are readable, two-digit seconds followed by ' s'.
6 h 40 min 33 s
